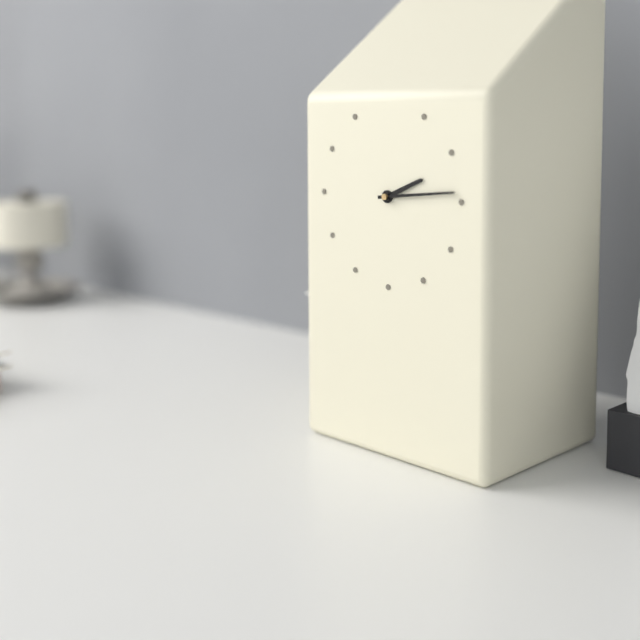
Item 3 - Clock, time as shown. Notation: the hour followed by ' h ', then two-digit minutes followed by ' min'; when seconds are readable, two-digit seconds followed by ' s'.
2 h 14 min
